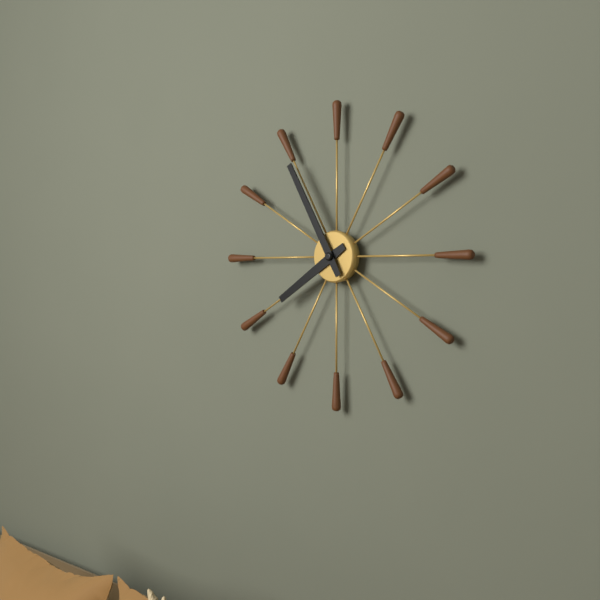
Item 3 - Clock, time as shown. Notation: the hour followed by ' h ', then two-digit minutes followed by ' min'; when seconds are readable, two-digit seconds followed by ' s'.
7 h 55 min
